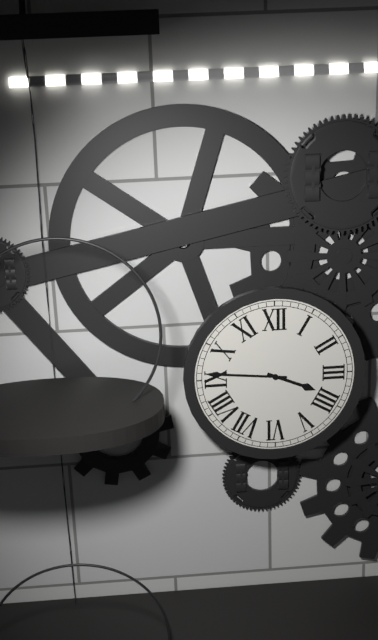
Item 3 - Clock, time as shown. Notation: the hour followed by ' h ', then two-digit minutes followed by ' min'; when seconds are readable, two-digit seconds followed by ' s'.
3 h 46 min
